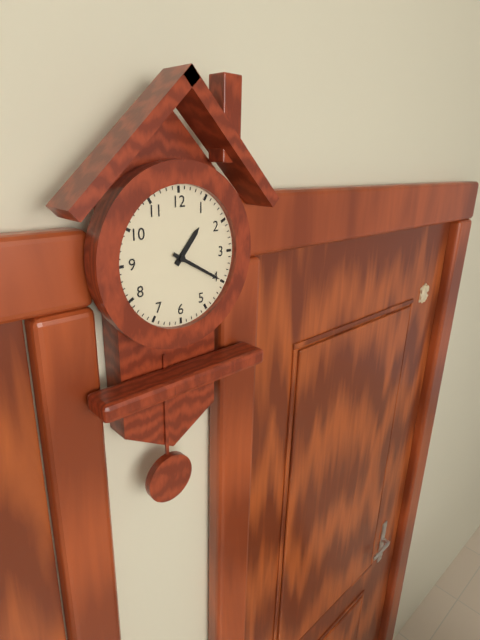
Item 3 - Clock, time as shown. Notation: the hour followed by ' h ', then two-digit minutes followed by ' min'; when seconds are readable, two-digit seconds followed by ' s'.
1 h 20 min
